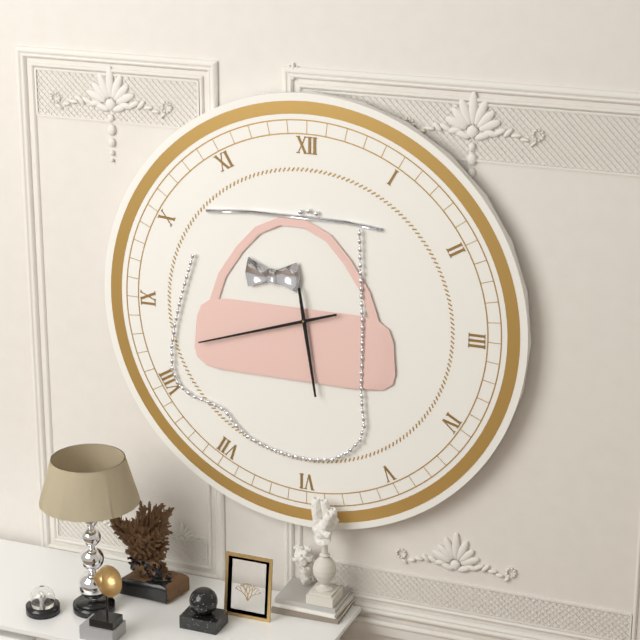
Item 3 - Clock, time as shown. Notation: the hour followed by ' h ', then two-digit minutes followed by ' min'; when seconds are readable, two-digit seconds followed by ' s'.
5 h 42 min
